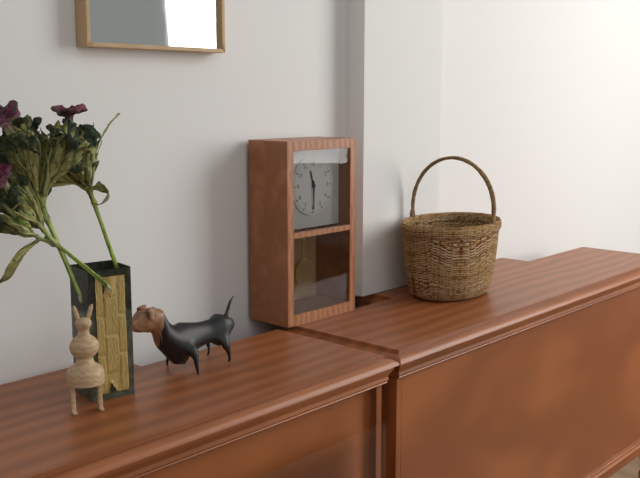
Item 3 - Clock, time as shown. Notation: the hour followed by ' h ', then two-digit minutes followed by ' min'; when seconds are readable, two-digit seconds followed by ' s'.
11 h 30 min
